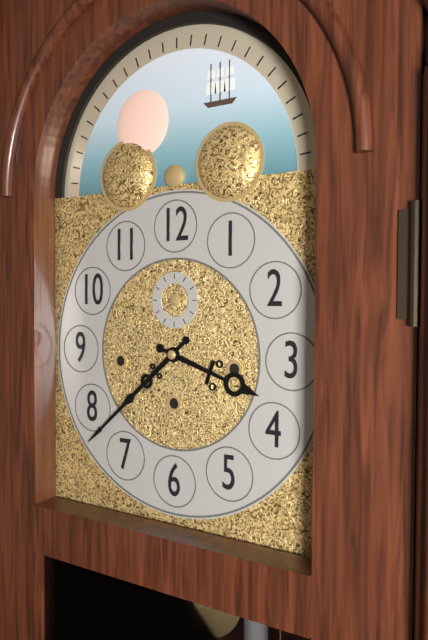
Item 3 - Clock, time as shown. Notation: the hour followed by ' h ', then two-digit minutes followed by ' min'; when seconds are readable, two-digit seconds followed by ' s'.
3 h 38 min
